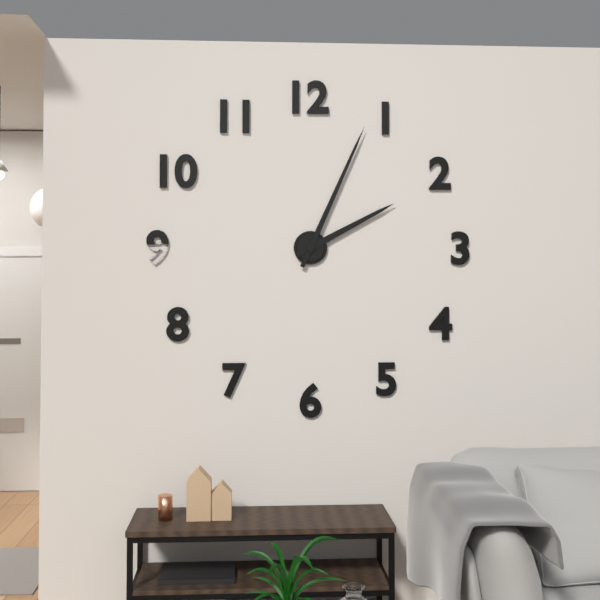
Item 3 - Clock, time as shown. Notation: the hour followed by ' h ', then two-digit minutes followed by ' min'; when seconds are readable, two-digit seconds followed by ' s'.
2 h 04 min
